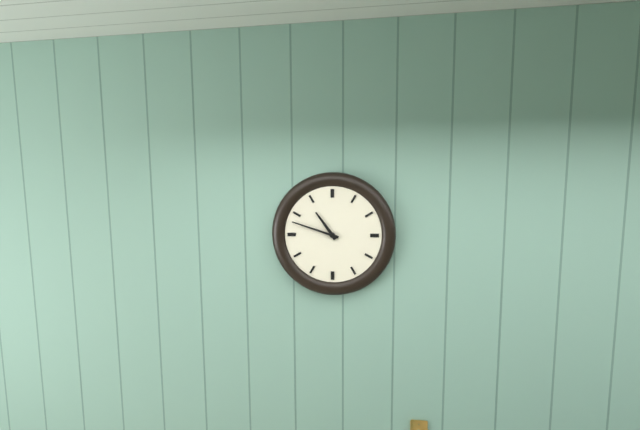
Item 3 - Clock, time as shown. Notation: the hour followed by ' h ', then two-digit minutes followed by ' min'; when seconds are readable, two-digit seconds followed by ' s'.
10 h 48 min
